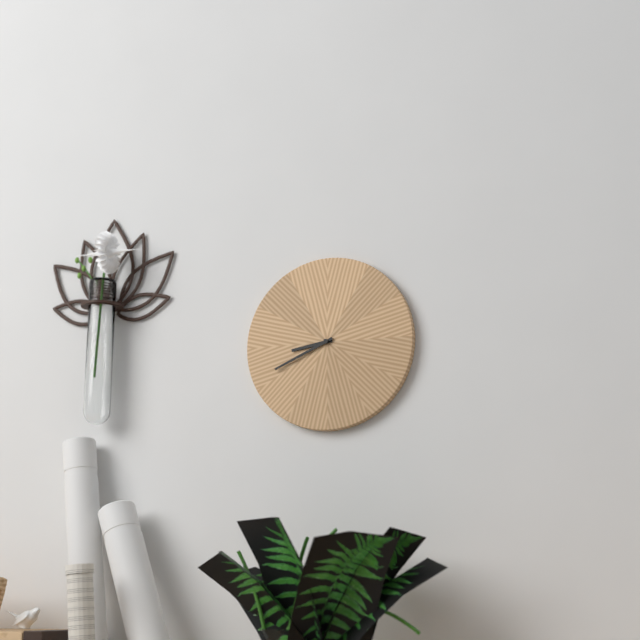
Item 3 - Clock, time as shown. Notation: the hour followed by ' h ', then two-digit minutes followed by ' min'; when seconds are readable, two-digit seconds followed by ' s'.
8 h 41 min
